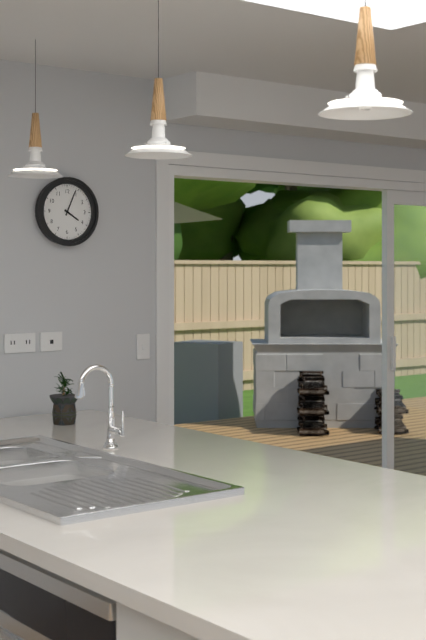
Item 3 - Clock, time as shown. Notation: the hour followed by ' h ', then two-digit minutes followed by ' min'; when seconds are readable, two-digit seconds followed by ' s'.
4 h 04 min
